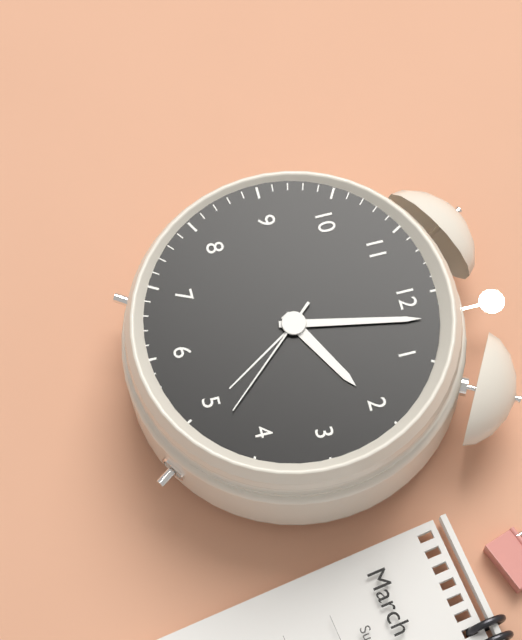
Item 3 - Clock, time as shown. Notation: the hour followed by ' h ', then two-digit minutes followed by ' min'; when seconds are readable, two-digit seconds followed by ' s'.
2 h 02 min 23 s
